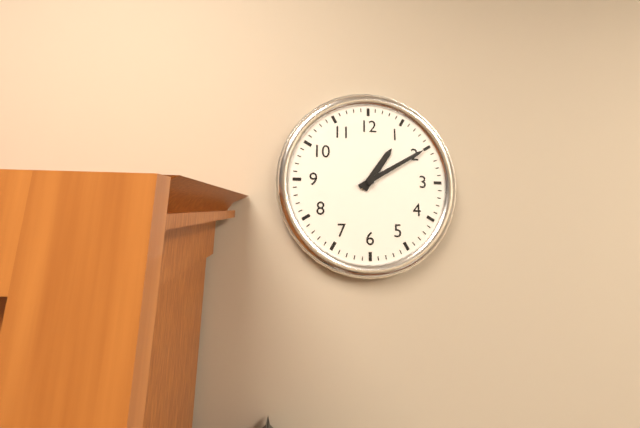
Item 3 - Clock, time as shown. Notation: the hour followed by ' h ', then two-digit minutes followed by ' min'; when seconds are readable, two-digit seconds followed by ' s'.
1 h 10 min
